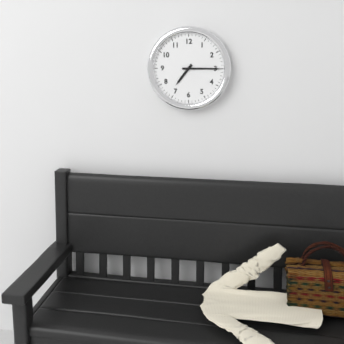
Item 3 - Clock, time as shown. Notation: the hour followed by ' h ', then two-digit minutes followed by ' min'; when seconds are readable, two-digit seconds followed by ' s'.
7 h 15 min
